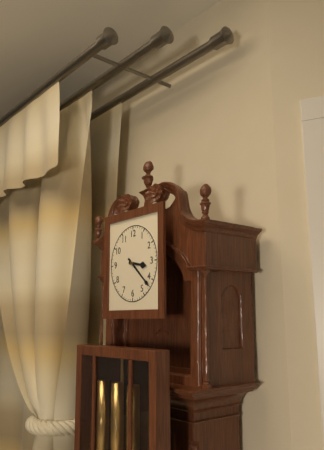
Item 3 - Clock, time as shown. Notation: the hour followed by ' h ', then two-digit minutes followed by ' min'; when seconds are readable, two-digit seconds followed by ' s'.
3 h 22 min
